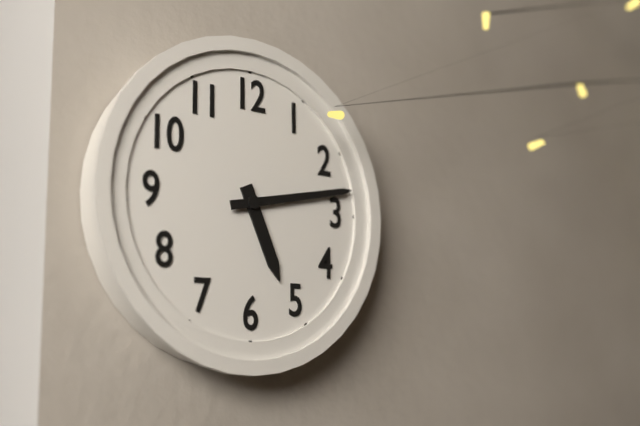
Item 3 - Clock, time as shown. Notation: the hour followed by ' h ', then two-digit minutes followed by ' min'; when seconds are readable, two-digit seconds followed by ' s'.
5 h 13 min
